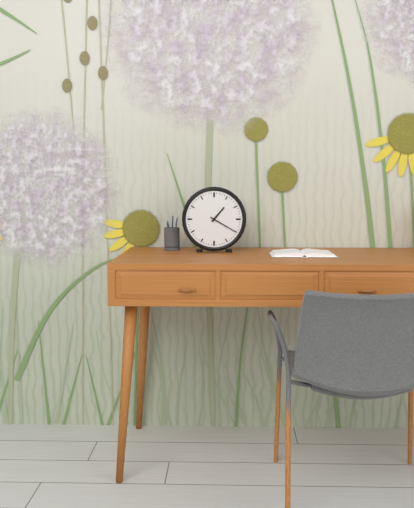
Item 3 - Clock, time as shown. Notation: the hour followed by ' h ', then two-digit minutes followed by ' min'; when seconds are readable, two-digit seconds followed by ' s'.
1 h 20 min
